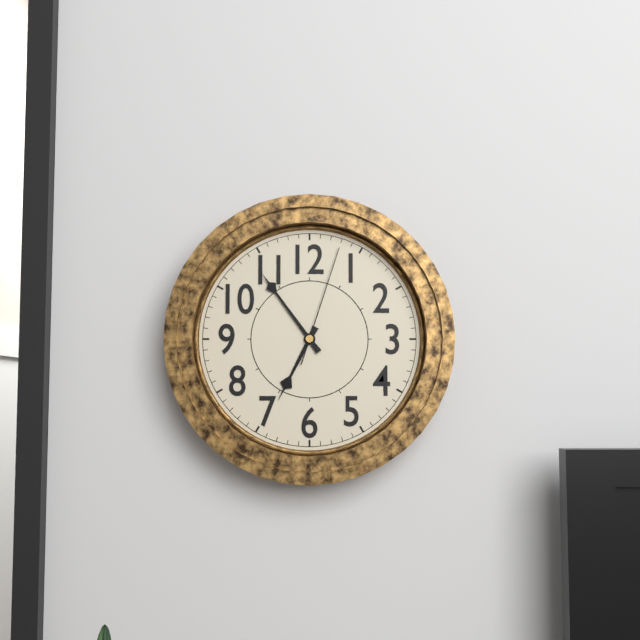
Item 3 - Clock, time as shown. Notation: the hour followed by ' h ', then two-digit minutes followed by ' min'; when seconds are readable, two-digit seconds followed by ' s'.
6 h 54 min 03 s
